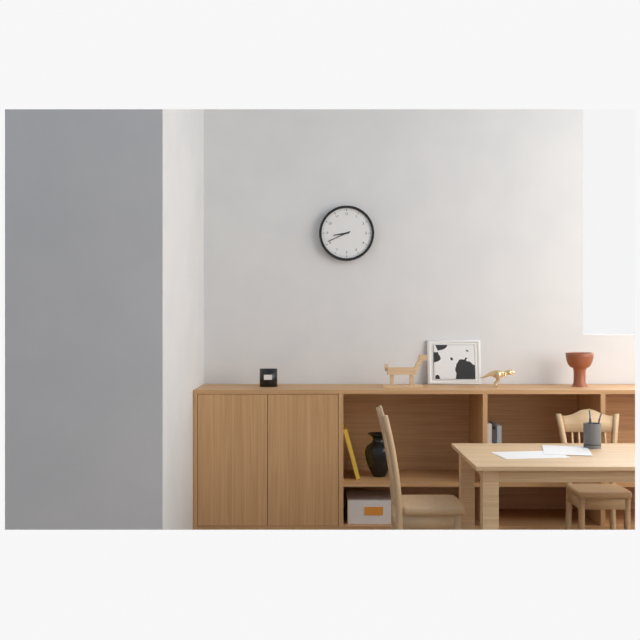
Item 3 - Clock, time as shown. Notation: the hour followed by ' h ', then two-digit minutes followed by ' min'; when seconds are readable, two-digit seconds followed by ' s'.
8 h 41 min
